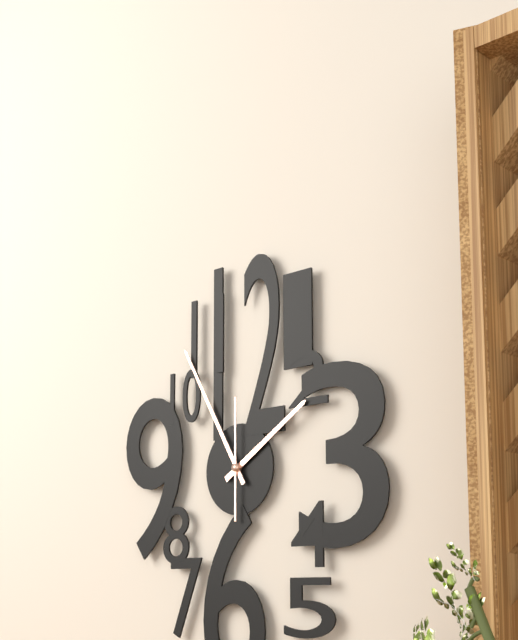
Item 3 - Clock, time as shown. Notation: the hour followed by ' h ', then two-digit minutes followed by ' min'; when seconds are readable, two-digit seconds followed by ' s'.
1 h 55 min 00 s
